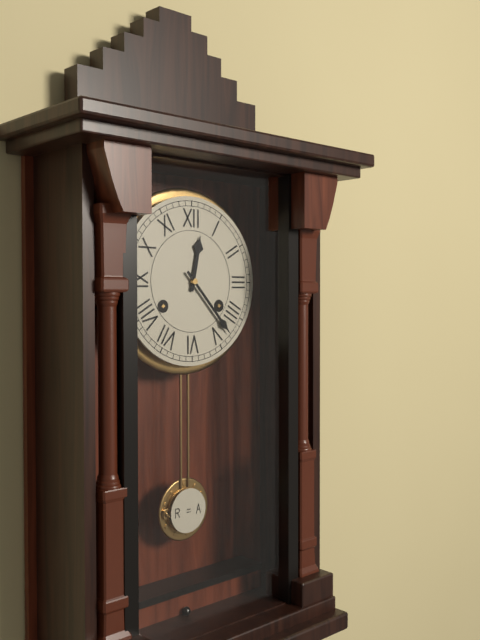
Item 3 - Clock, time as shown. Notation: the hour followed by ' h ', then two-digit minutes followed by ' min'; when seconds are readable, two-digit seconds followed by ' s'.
12 h 23 min
